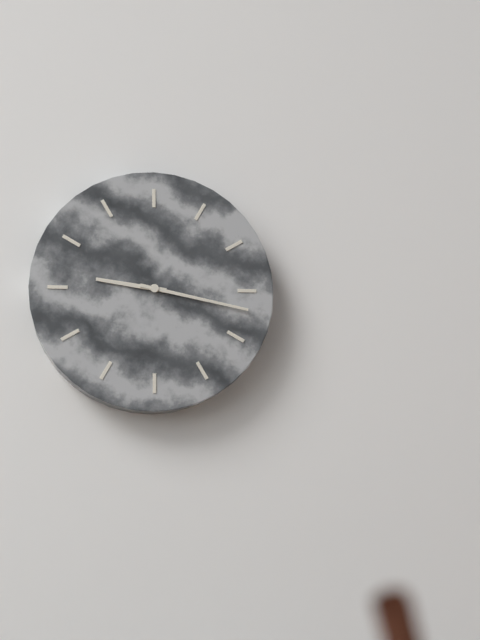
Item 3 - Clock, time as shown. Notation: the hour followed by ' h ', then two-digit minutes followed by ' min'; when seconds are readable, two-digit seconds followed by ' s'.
9 h 17 min
